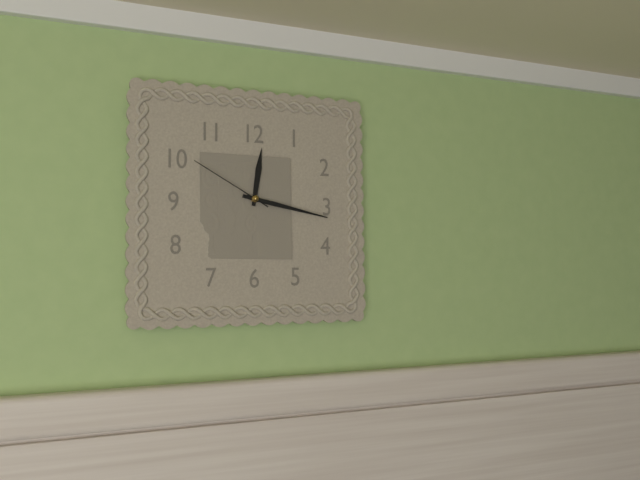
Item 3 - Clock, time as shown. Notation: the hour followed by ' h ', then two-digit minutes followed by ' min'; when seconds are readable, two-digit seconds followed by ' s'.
12 h 17 min 50 s
